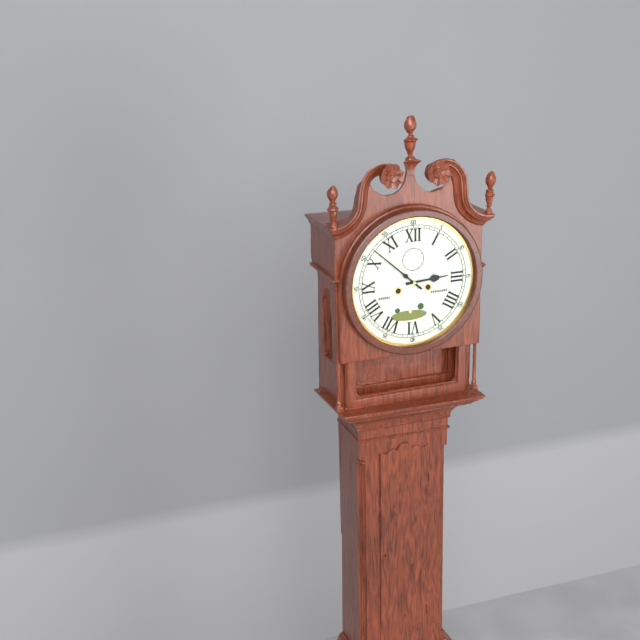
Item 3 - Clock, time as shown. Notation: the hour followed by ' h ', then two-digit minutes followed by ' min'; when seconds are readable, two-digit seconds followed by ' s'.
2 h 52 min
